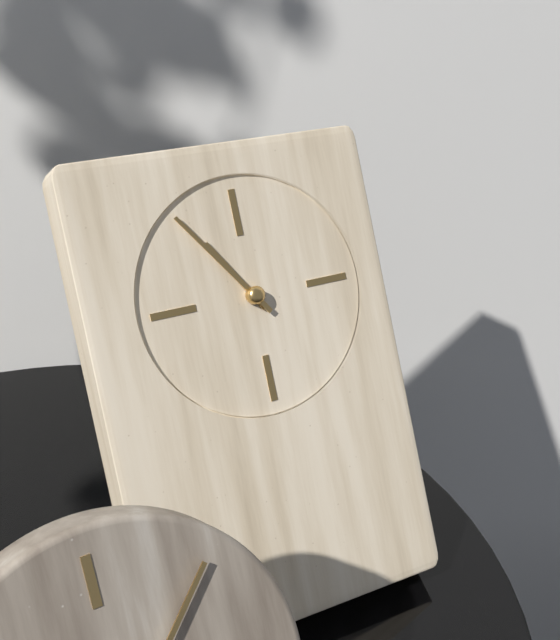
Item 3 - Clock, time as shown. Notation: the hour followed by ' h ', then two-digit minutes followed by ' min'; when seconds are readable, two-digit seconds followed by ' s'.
10 h 54 min
